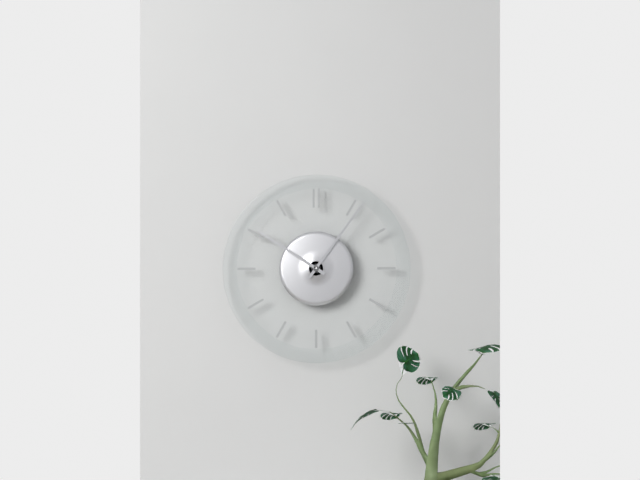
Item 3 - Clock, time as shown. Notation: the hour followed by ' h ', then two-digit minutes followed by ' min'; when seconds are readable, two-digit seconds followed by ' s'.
10 h 06 min
